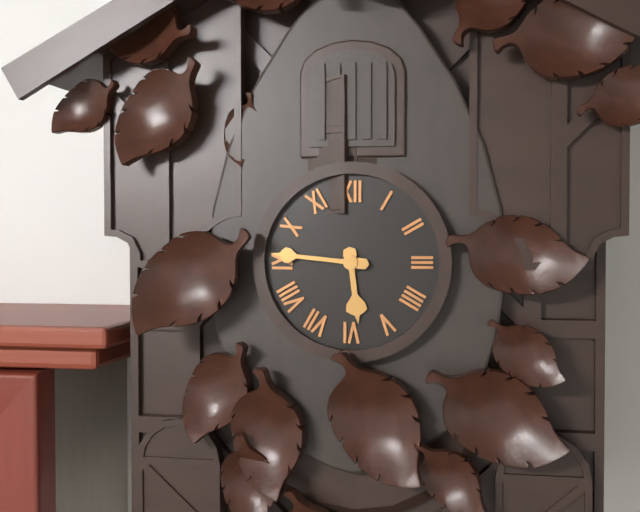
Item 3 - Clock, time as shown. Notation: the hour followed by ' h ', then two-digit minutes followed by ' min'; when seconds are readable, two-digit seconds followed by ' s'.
5 h 46 min
